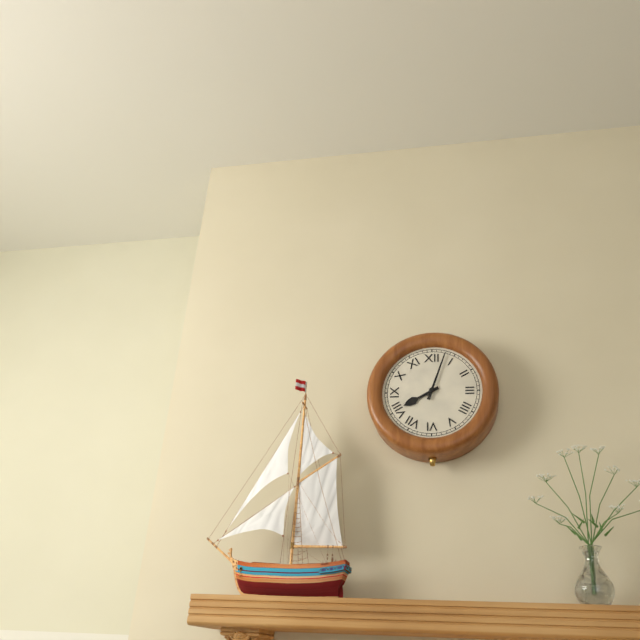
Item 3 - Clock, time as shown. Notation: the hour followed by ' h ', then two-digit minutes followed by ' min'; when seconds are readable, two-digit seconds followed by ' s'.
8 h 03 min
